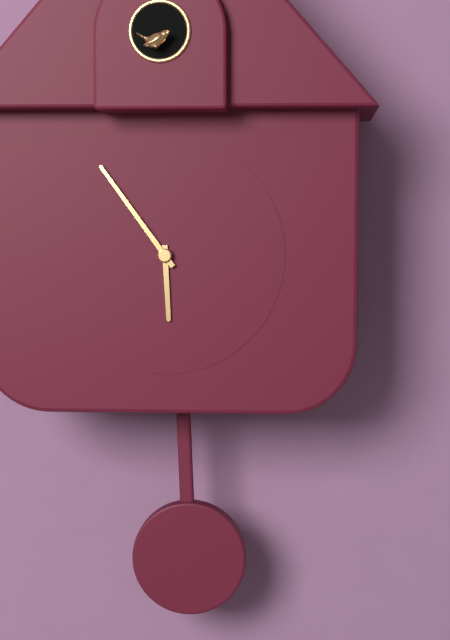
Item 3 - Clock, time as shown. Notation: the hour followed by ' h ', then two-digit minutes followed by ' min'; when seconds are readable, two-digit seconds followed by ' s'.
5 h 54 min
